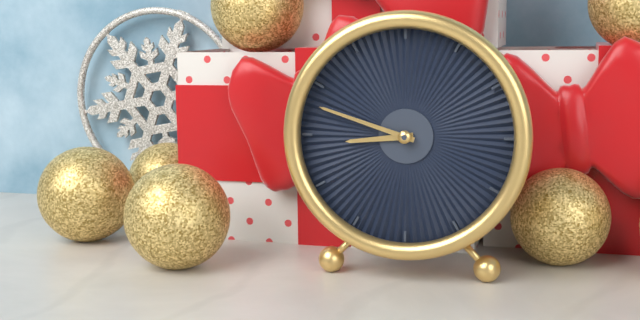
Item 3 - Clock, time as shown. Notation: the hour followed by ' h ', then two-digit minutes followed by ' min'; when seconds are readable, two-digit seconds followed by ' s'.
8 h 48 min
